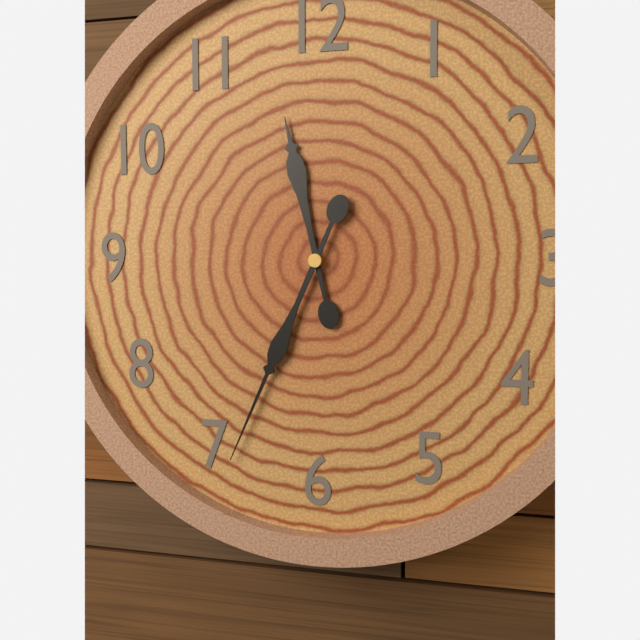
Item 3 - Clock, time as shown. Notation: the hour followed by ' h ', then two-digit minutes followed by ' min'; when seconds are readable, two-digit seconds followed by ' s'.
11 h 34 min
